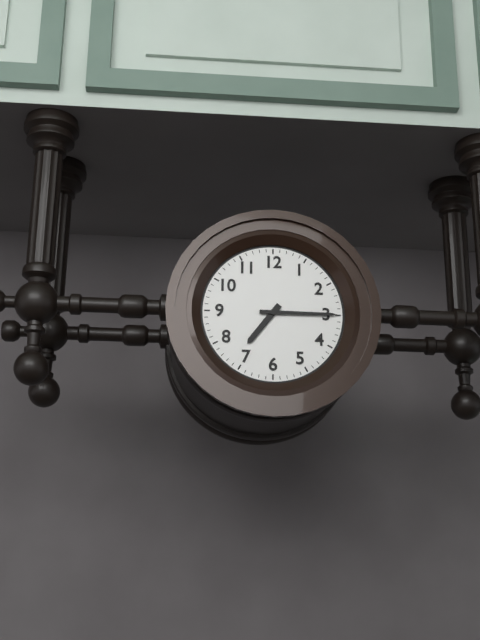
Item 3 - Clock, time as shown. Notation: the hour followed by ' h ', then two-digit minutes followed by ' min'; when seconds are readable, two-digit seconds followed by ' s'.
7 h 15 min
